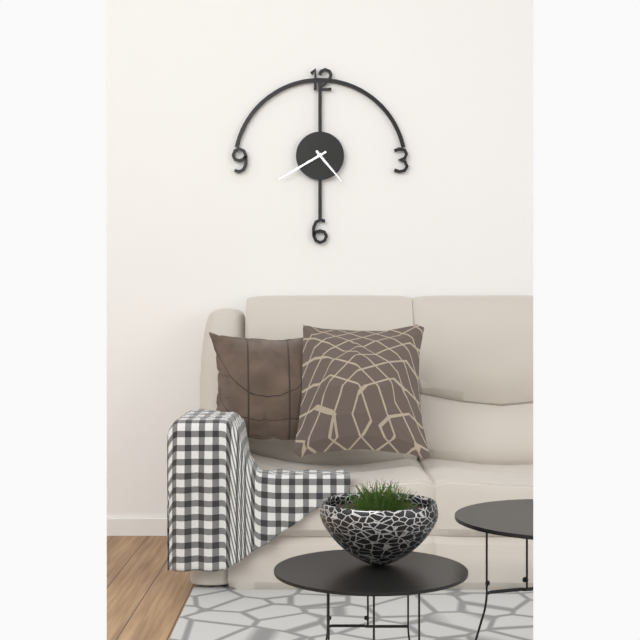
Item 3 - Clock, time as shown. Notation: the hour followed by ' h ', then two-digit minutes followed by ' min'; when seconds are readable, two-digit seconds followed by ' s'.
4 h 40 min
